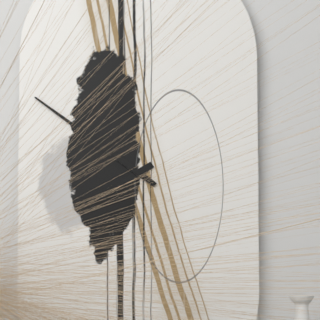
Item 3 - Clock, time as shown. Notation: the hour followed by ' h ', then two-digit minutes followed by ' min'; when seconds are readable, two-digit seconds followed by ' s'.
7 h 51 min
